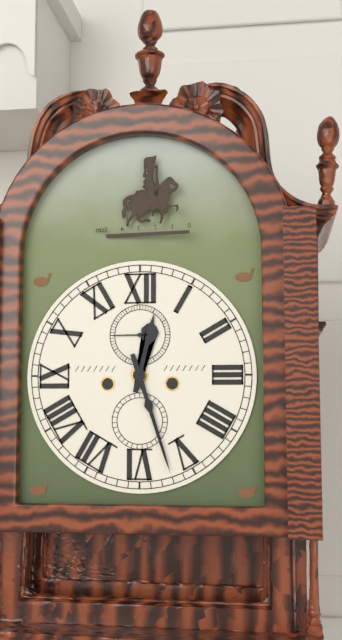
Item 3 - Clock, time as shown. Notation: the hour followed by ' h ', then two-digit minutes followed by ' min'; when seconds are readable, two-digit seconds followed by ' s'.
12 h 27 min
